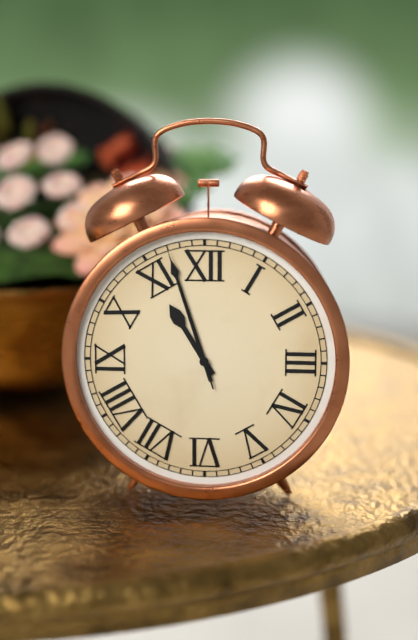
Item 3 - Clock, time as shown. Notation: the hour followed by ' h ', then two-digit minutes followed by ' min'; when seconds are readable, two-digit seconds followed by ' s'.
10 h 57 min 57 s
